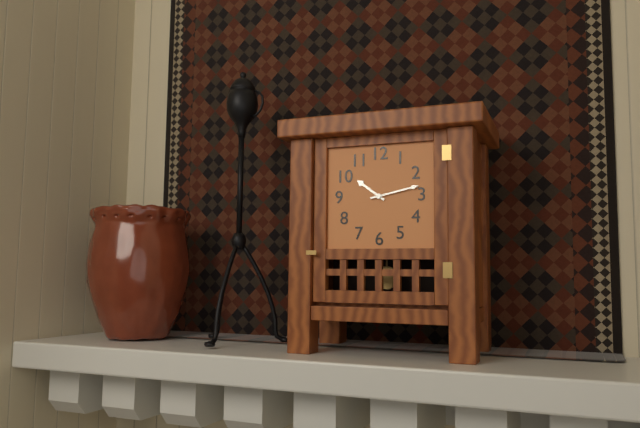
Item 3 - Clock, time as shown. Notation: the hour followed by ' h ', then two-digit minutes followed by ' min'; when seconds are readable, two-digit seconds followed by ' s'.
10 h 13 min
